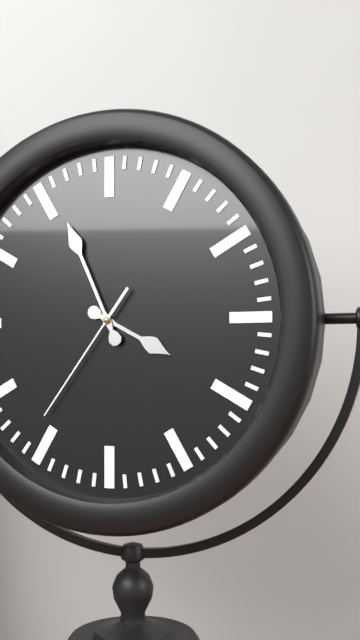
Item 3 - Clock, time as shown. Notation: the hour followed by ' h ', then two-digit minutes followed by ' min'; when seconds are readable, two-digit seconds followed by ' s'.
3 h 56 min 36 s
